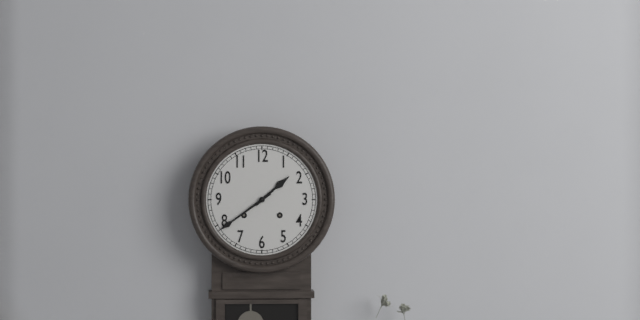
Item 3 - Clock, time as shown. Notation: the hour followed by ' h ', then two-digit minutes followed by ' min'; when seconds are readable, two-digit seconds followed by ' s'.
1 h 39 min
